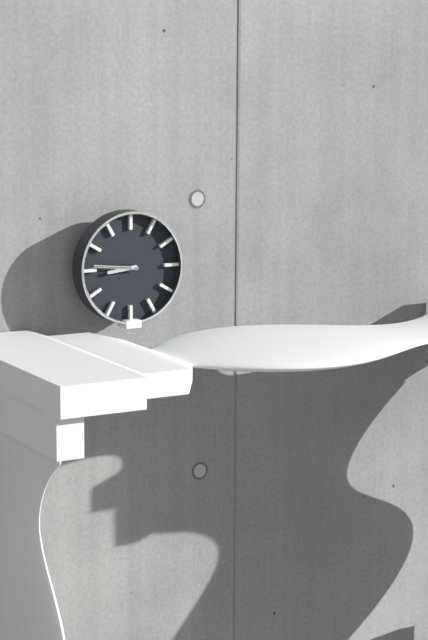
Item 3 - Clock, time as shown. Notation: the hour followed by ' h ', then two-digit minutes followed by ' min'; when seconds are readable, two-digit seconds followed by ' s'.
8 h 46 min 46 s
